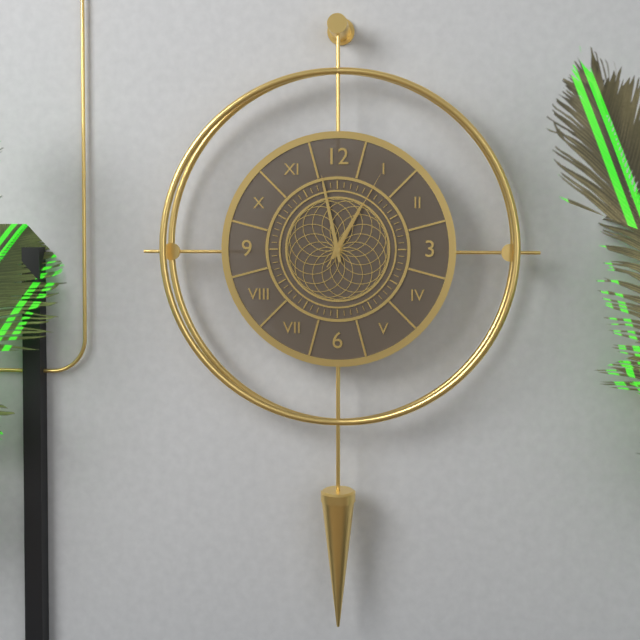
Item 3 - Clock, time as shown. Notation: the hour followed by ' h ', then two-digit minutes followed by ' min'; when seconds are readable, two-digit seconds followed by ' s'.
12 h 58 min 05 s
